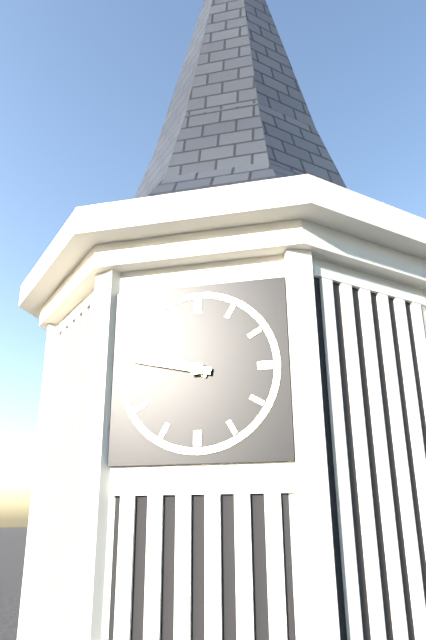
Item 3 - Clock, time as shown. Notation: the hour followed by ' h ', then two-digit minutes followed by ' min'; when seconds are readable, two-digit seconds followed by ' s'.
9 h 47 min
